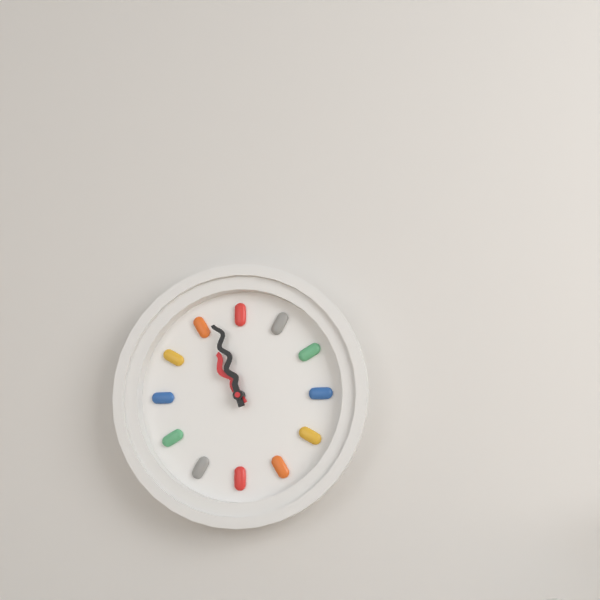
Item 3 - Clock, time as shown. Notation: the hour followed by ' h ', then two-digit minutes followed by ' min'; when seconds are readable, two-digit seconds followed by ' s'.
10 h 57 min
